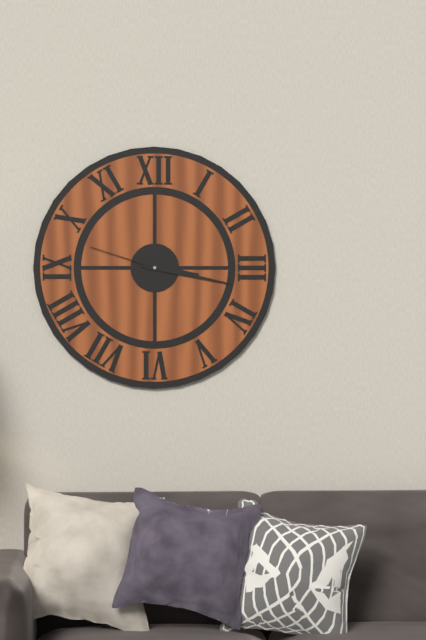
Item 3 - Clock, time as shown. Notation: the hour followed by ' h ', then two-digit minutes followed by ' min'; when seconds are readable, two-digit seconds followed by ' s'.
3 h 17 min 48 s
